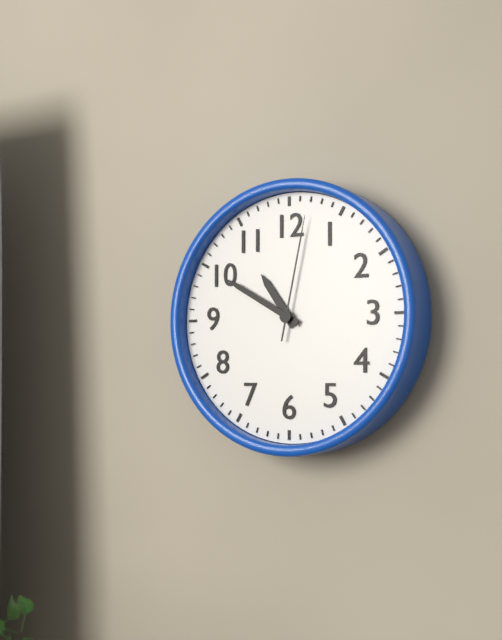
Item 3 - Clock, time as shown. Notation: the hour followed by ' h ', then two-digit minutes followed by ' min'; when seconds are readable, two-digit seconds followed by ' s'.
10 h 50 min 02 s
